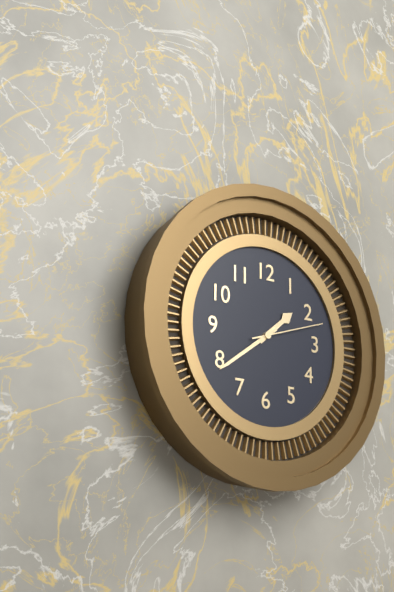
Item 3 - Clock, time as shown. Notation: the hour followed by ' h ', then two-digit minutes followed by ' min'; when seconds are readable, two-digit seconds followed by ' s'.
1 h 39 min 12 s
